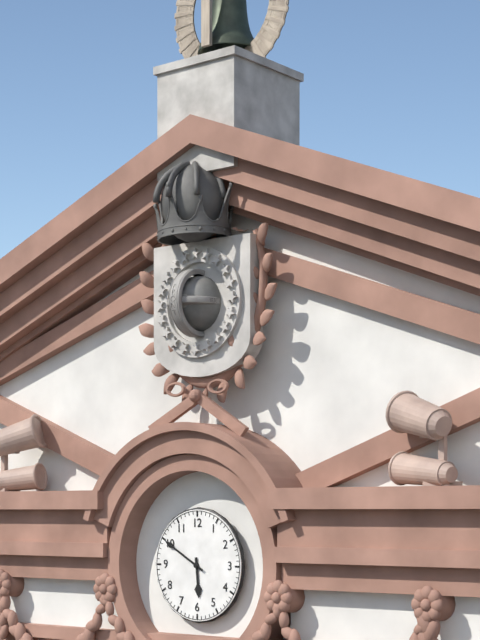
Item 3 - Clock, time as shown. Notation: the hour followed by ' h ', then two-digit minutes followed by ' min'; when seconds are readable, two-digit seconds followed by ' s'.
5 h 50 min
